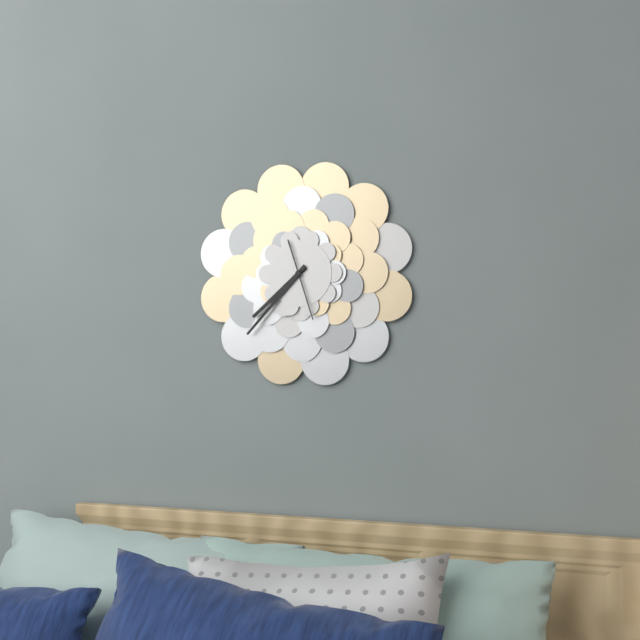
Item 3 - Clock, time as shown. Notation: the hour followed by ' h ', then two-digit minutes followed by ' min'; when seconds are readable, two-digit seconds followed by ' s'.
7 h 37 min 27 s
